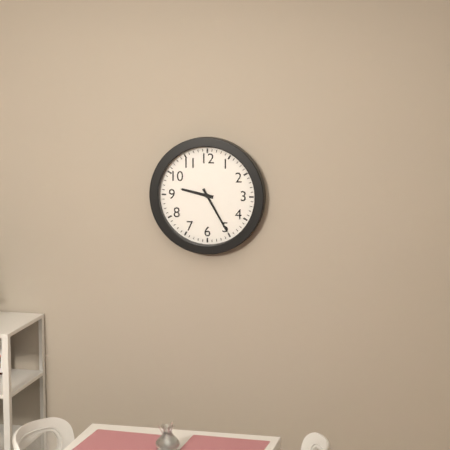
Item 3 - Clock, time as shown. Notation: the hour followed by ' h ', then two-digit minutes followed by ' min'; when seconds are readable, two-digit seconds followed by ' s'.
9 h 25 min
